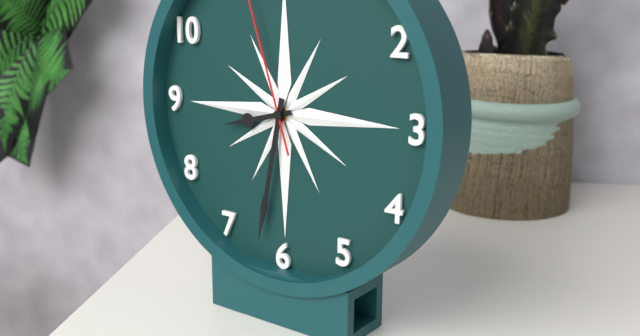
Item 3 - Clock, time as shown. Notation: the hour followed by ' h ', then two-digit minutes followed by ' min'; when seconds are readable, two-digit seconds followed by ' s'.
8 h 32 min
